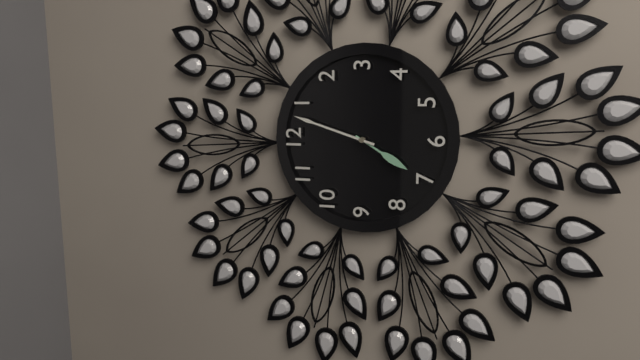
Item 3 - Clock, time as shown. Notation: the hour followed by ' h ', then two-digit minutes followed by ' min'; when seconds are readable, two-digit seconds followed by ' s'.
7 h 03 min
